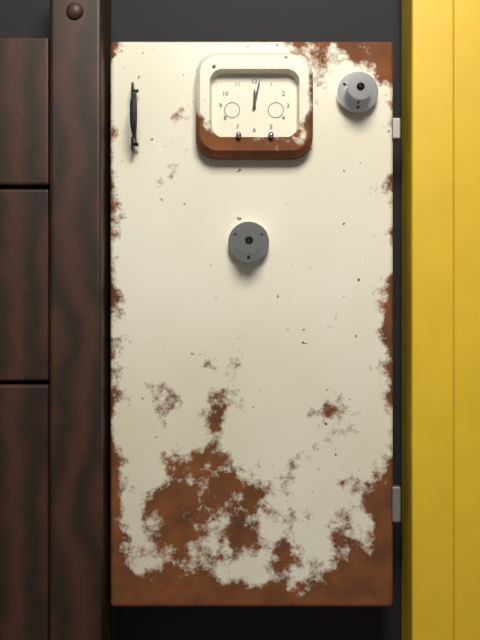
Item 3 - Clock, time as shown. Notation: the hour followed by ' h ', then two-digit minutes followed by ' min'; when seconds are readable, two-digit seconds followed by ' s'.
12 h 02 min
